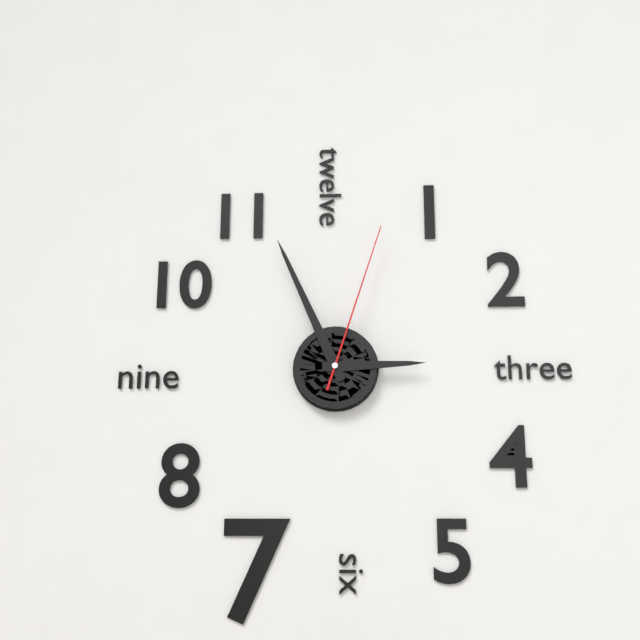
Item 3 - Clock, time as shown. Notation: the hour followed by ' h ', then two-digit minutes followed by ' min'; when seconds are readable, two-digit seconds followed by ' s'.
2 h 56 min 03 s
